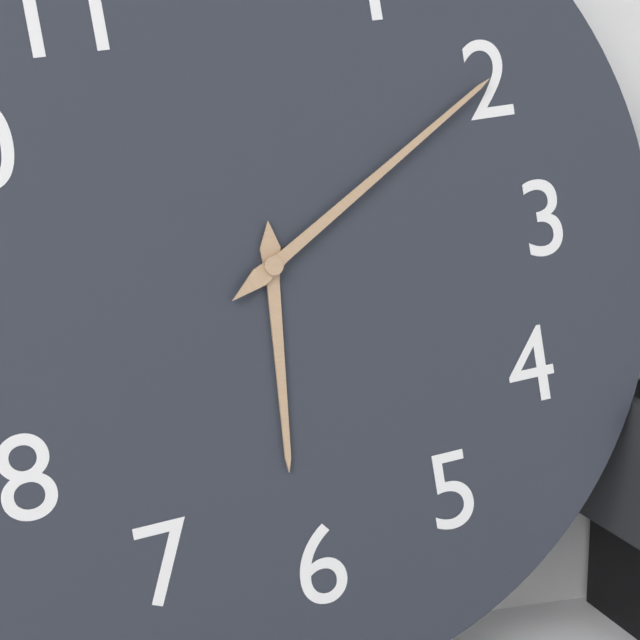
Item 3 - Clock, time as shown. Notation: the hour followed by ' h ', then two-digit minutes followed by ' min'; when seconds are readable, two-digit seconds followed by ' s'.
6 h 10 min
